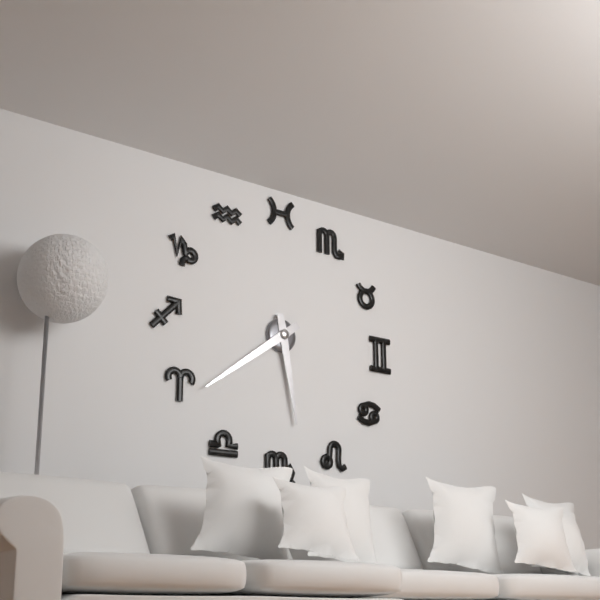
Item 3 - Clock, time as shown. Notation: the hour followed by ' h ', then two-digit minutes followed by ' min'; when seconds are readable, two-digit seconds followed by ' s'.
5 h 39 min
